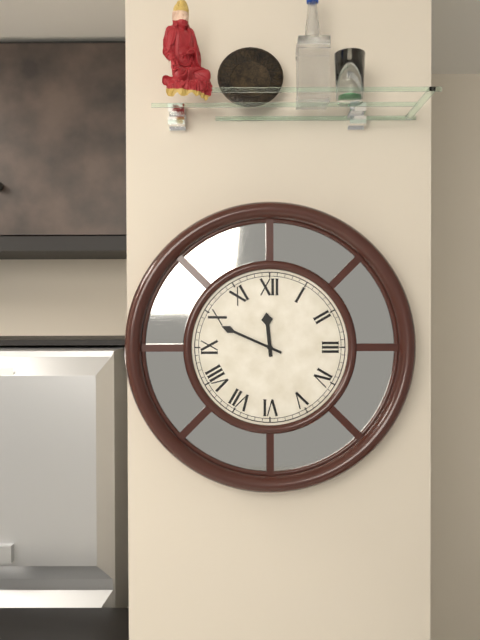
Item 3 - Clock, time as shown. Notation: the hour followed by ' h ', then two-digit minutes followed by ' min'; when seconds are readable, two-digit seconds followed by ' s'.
11 h 49 min
